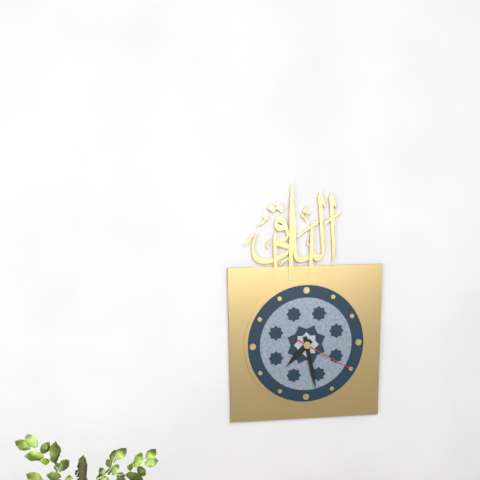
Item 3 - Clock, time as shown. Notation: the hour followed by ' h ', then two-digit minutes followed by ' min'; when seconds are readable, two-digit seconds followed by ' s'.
7 h 28 min 20 s
